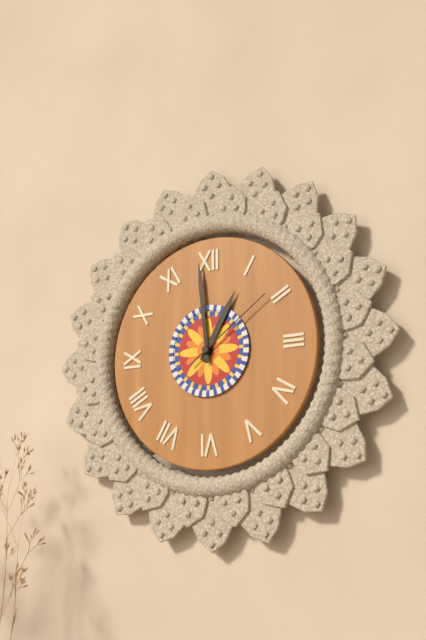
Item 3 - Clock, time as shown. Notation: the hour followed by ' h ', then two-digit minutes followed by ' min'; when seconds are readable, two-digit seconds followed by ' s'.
12 h 59 min 09 s
